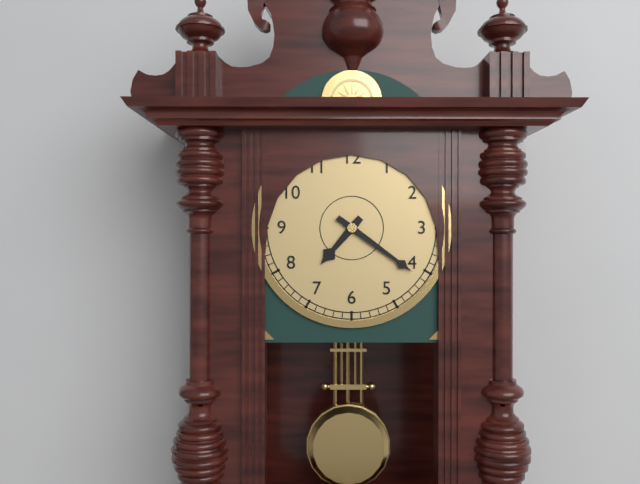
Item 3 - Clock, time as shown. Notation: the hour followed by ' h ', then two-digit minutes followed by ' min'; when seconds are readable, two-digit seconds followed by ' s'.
7 h 21 min
